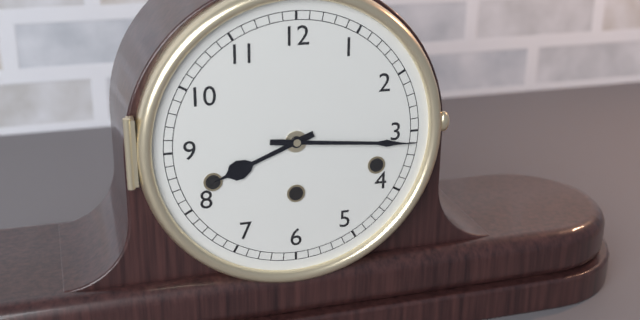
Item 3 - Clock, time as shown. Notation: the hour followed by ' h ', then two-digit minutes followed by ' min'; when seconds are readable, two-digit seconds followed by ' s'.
8 h 16 min
